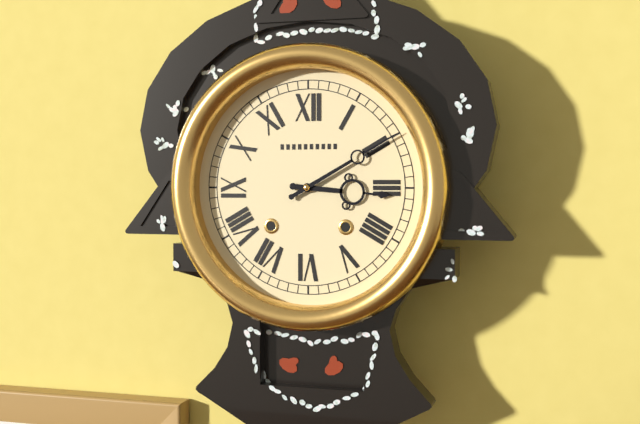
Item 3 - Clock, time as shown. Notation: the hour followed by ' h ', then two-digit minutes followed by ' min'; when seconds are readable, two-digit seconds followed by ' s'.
3 h 10 min
